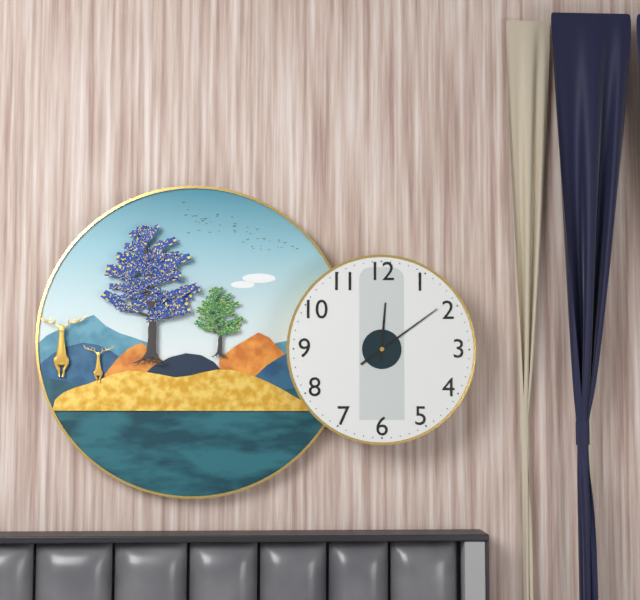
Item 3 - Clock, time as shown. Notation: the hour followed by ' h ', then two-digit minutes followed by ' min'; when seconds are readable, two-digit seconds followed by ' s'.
12 h 09 min
